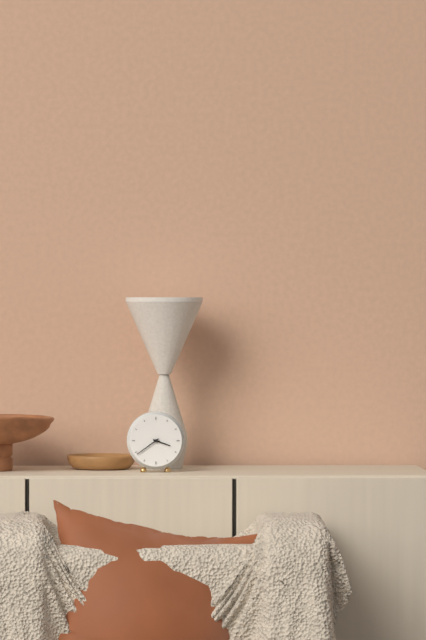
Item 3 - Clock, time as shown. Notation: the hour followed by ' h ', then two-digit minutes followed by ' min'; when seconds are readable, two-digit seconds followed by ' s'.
3 h 39 min
